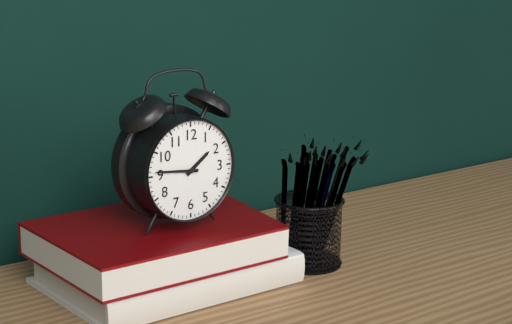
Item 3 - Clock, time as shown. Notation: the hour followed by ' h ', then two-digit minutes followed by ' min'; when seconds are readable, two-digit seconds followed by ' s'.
1 h 46 min
